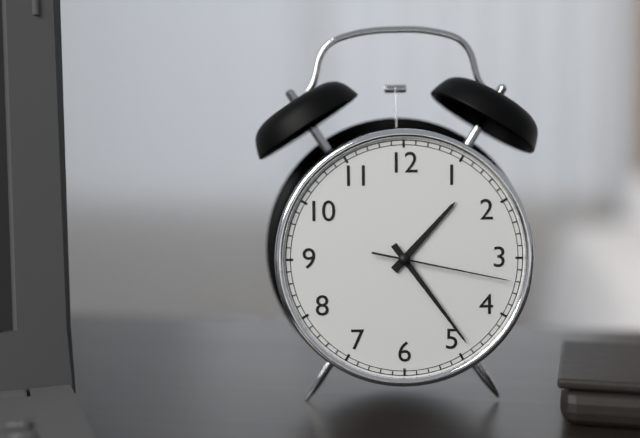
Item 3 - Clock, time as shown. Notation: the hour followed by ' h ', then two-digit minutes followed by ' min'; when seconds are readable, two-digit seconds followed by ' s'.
1 h 24 min 17 s
